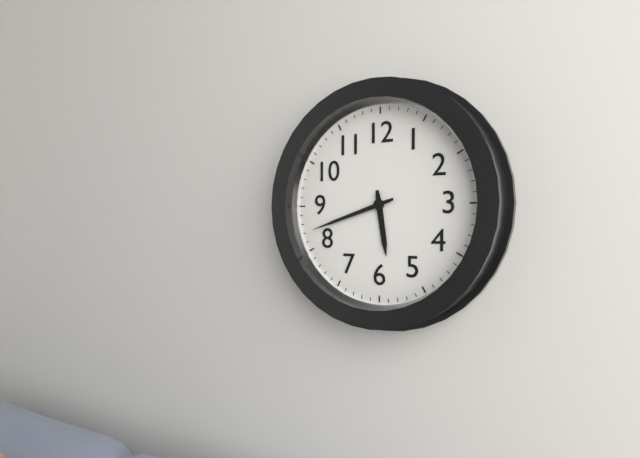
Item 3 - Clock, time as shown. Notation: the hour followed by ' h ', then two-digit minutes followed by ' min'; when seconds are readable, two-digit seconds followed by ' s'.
5 h 42 min
